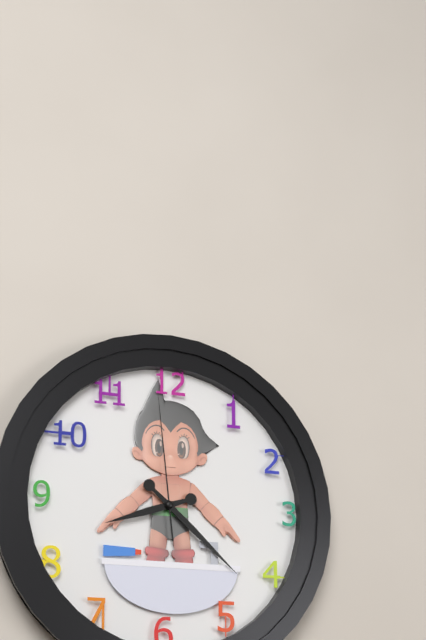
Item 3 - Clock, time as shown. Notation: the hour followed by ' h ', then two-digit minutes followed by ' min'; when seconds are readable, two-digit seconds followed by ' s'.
8 h 22 min 59 s
